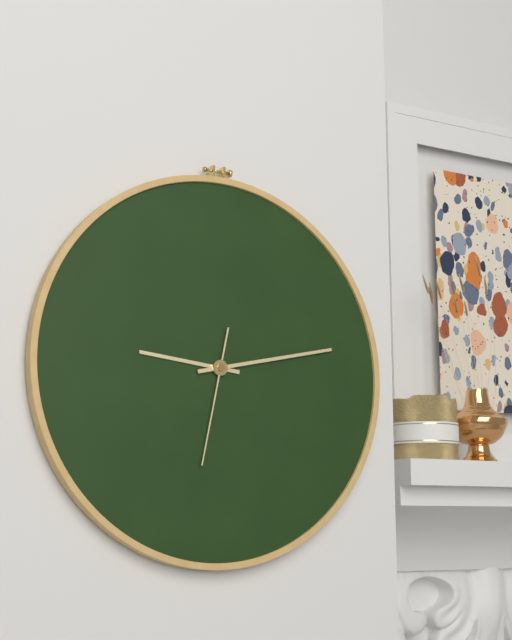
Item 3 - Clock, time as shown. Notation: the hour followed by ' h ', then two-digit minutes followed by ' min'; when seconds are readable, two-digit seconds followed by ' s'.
9 h 13 min 32 s
